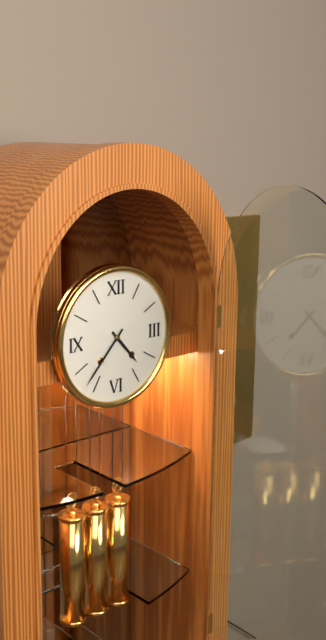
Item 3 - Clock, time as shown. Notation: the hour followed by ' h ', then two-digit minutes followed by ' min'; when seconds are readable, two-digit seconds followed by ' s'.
4 h 37 min
